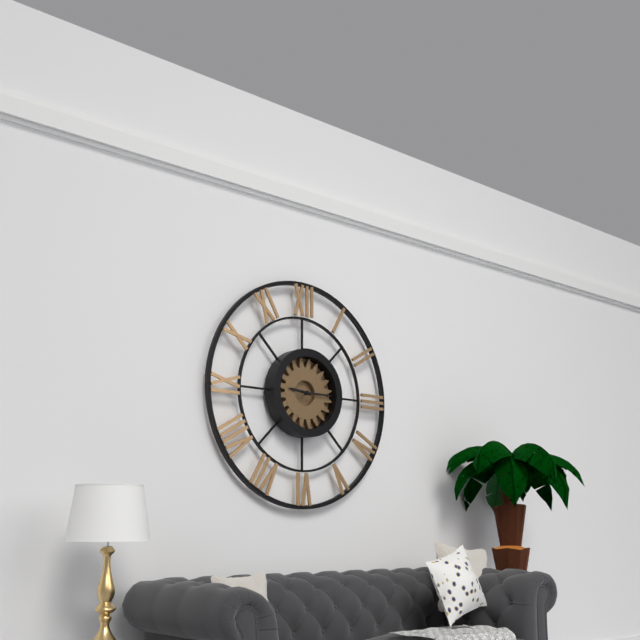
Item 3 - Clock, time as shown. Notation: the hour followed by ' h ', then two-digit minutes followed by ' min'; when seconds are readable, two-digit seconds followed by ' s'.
9 h 15 min
